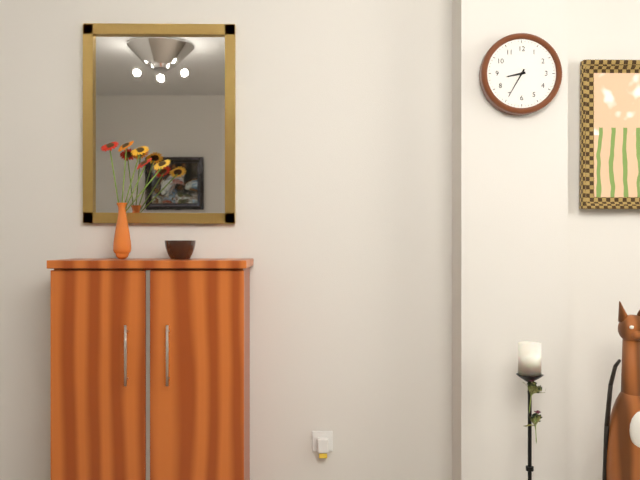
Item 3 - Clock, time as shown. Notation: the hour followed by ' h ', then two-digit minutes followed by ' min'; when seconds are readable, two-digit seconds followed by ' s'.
8 h 35 min
